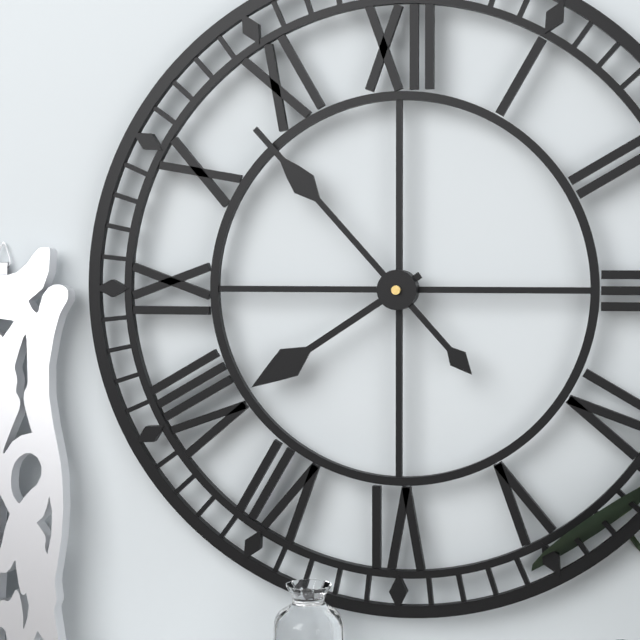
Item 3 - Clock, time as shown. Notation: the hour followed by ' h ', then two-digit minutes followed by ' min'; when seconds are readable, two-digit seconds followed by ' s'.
7 h 53 min
